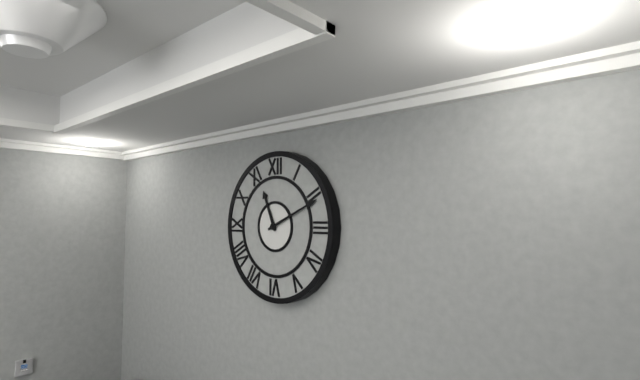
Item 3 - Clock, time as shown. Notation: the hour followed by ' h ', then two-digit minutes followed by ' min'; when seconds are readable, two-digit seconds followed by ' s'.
11 h 11 min
